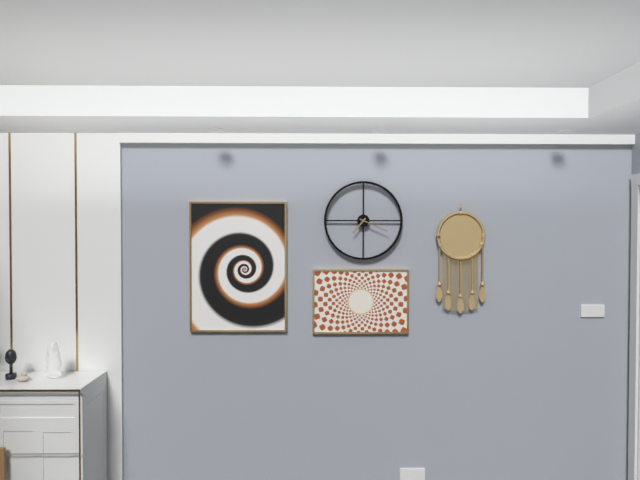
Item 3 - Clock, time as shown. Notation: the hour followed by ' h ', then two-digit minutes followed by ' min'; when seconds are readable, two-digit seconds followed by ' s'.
7 h 19 min
